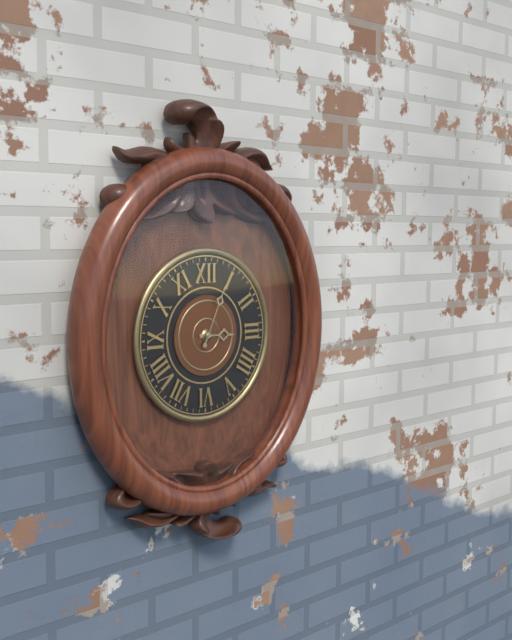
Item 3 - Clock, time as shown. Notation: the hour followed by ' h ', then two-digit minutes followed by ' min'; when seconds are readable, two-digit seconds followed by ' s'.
3 h 04 min
